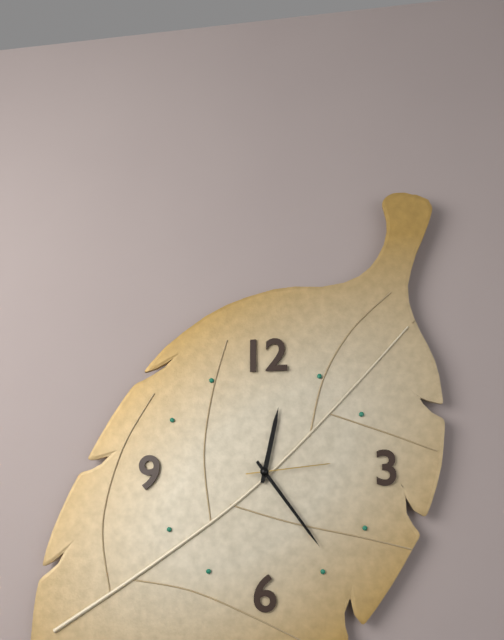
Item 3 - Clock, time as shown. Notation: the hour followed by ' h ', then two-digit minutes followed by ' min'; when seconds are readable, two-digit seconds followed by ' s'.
12 h 24 min 14 s
